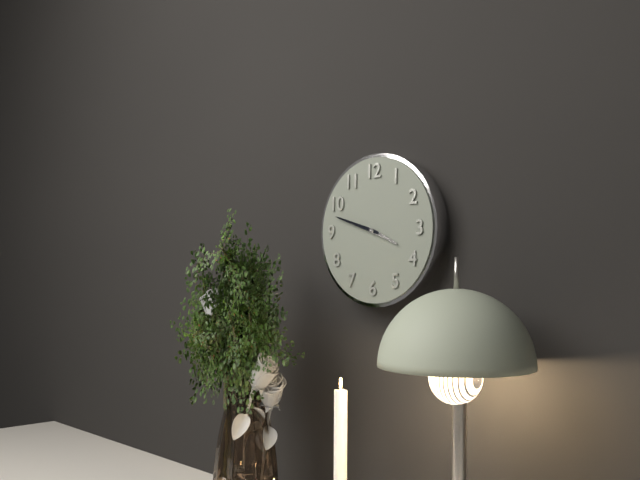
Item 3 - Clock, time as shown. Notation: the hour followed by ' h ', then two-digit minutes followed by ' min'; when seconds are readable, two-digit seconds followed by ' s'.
3 h 48 min
